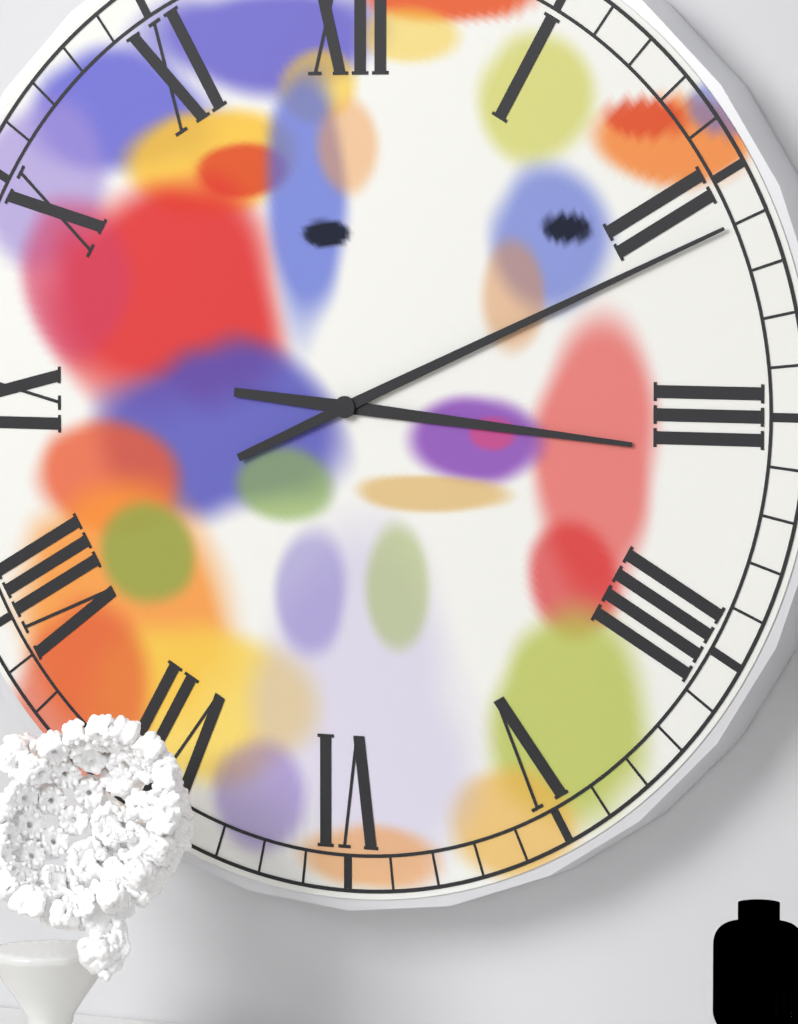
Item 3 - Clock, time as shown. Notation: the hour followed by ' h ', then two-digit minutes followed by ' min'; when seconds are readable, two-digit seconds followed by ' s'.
3 h 11 min
